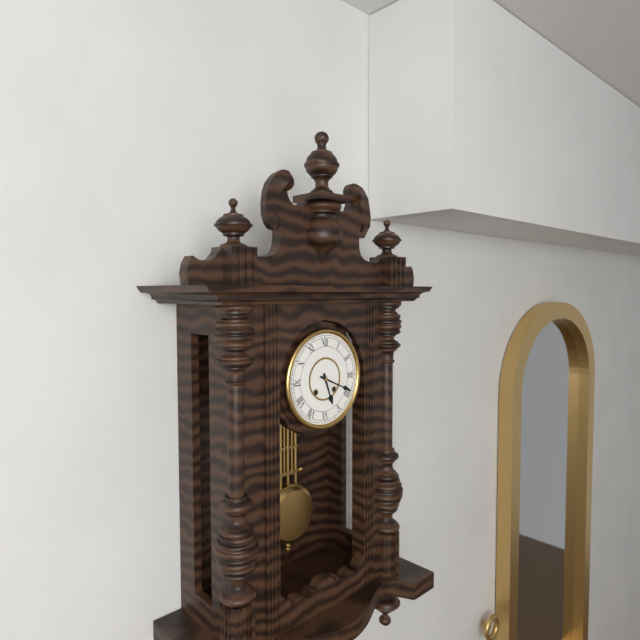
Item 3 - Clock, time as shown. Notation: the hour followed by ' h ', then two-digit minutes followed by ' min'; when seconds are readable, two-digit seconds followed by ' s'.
5 h 19 min
